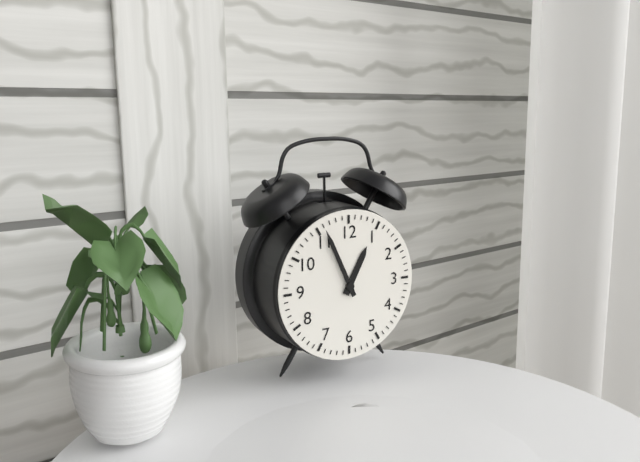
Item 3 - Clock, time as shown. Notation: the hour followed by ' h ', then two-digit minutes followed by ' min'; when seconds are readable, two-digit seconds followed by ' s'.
12 h 56 min
